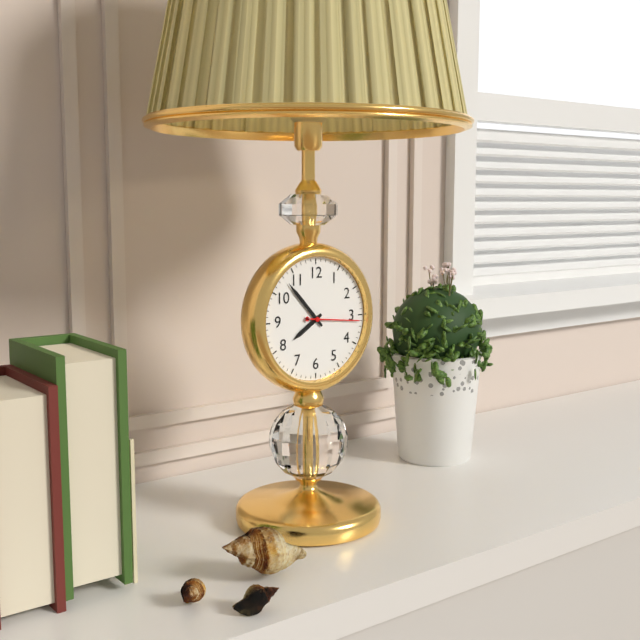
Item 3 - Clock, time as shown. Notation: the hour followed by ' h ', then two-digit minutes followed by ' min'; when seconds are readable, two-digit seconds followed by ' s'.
7 h 53 min 16 s
